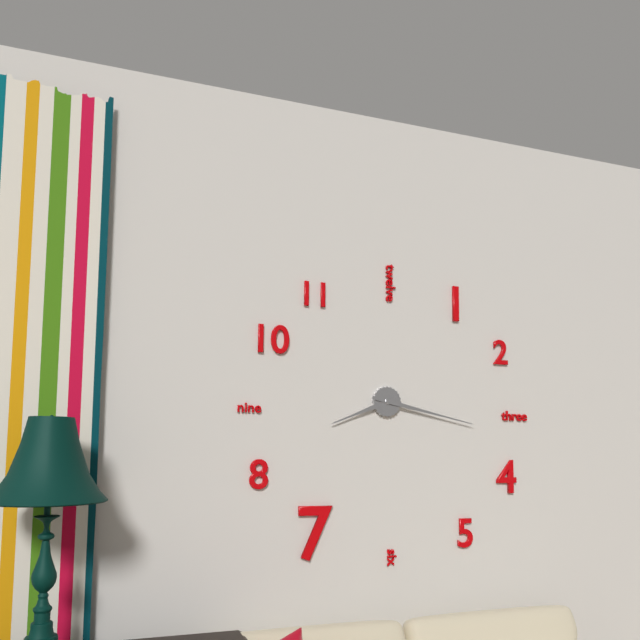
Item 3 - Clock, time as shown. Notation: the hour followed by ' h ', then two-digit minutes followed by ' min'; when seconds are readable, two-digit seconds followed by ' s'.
8 h 17 min
